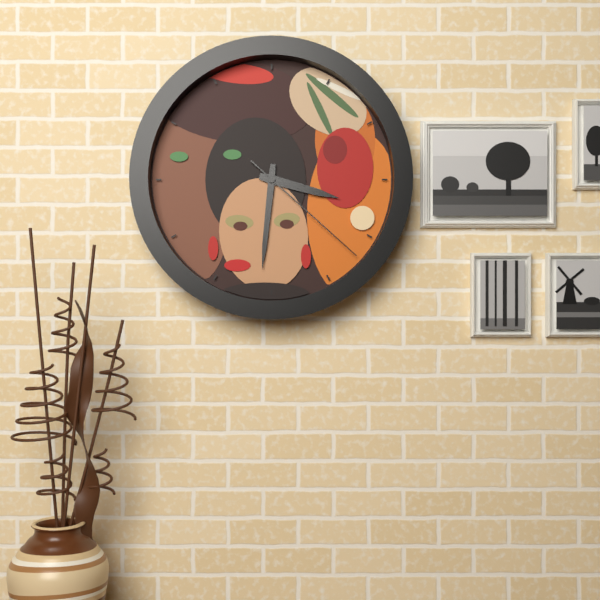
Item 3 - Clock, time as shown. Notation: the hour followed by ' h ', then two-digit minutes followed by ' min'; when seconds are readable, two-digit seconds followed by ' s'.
3 h 31 min 22 s
